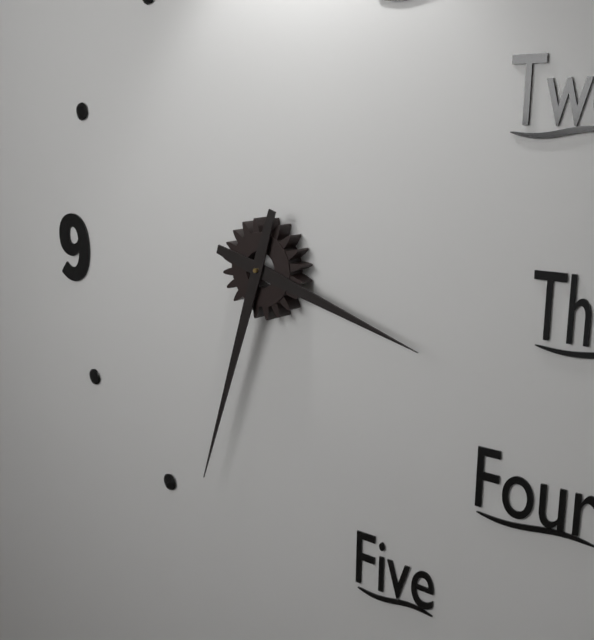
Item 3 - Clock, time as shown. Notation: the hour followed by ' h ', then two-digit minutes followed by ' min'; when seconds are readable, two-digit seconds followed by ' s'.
3 h 33 min
